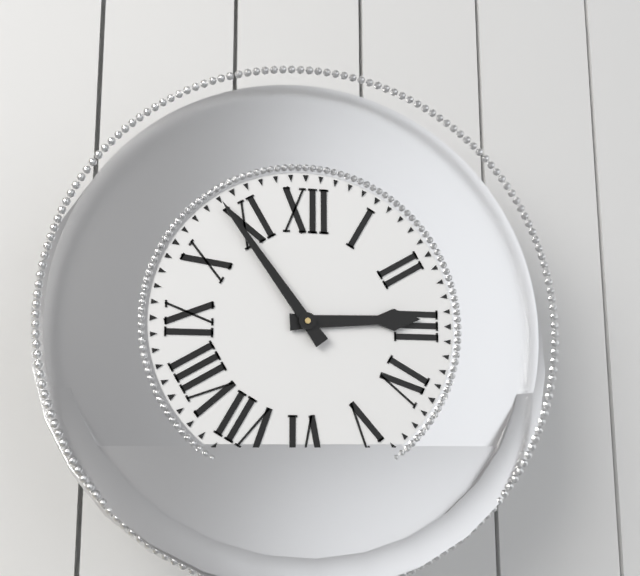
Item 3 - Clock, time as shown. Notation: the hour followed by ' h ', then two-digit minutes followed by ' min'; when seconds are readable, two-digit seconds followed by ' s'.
2 h 54 min
